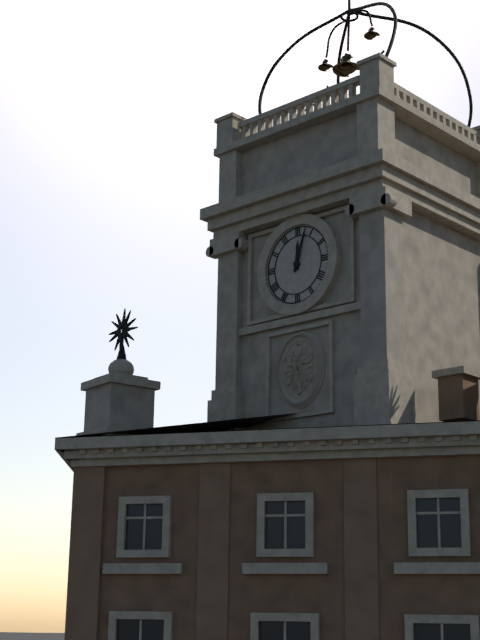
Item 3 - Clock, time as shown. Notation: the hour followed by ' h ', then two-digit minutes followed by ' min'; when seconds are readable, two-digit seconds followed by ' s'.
12 h 03 min
